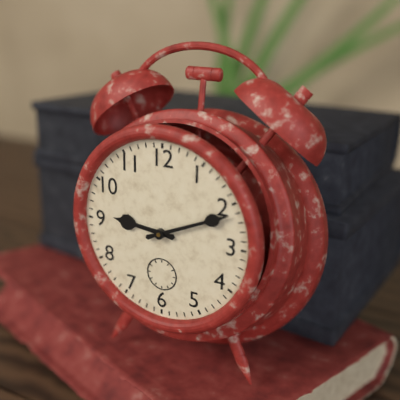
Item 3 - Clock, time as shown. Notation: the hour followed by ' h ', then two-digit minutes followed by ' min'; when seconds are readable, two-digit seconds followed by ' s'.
9 h 11 min
